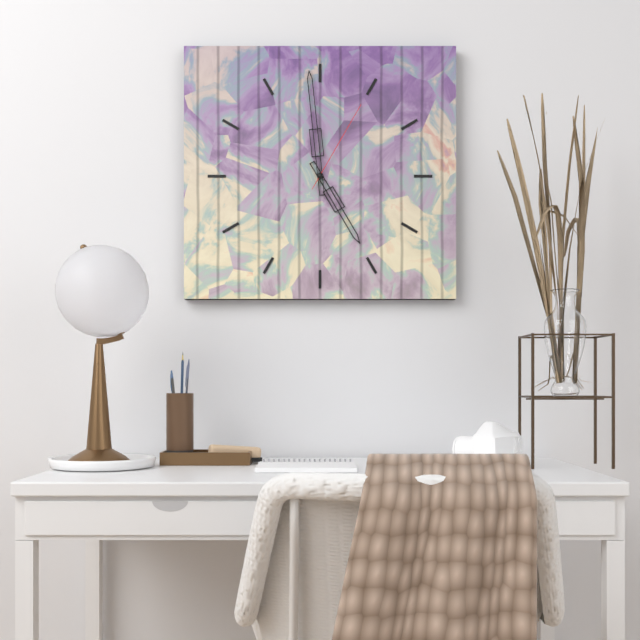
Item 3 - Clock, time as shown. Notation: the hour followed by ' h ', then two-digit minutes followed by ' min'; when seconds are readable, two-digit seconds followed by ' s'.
4 h 59 min 05 s
